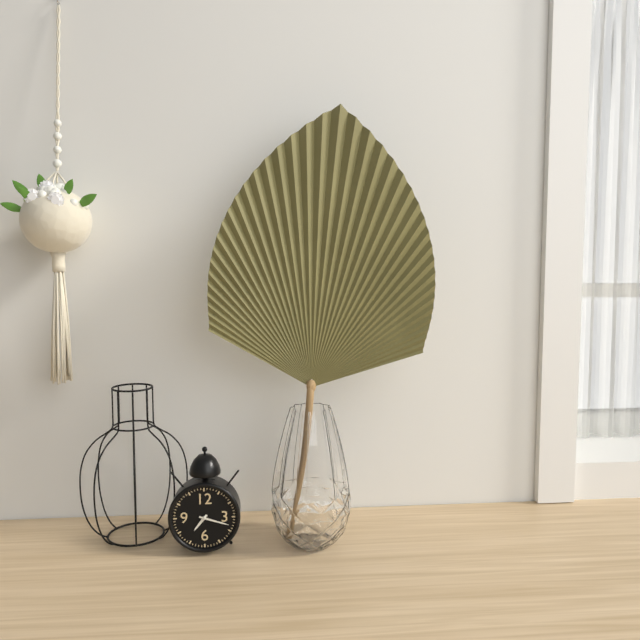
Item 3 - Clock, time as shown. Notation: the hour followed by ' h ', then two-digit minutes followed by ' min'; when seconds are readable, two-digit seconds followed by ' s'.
7 h 18 min
